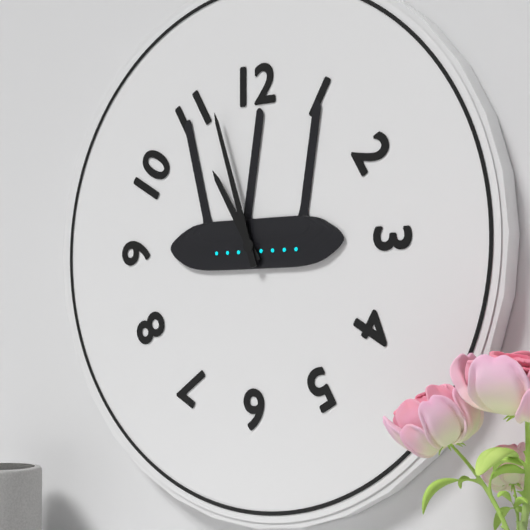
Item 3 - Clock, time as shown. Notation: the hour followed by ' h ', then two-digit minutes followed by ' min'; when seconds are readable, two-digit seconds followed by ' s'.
10 h 57 min
